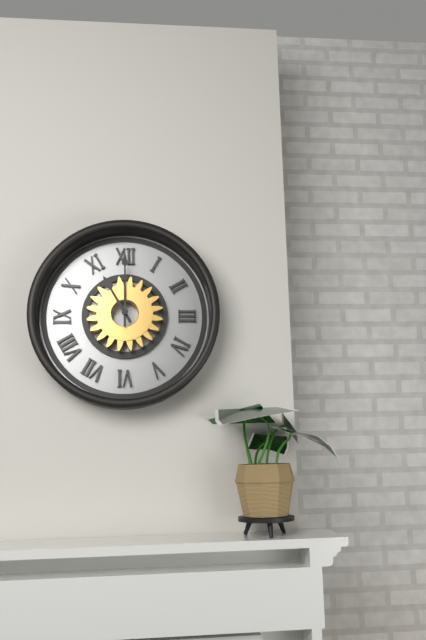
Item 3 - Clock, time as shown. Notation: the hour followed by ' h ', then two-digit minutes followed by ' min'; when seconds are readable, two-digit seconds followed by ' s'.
11 h 00 min
